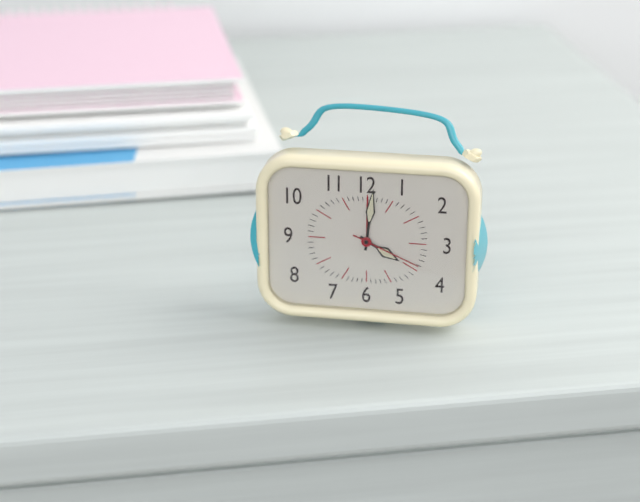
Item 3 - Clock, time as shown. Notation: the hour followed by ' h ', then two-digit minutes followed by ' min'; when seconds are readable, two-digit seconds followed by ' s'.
4 h 01 min 19 s
